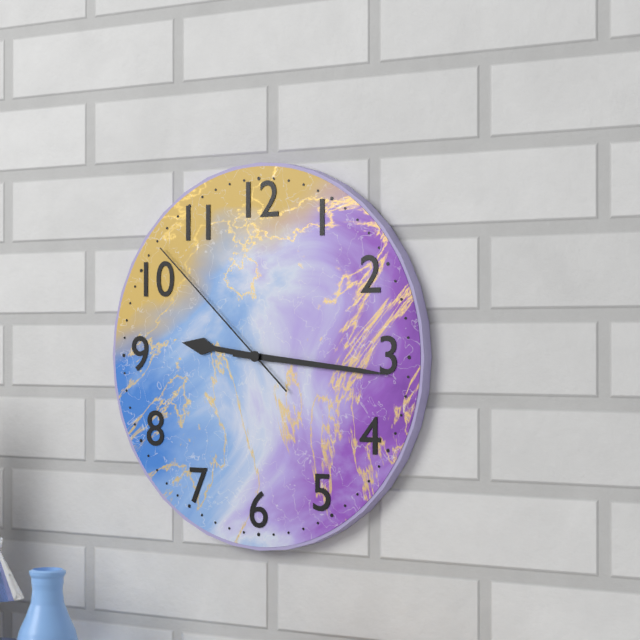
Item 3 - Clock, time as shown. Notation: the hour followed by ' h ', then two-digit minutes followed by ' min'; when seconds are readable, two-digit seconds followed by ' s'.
9 h 16 min 52 s
